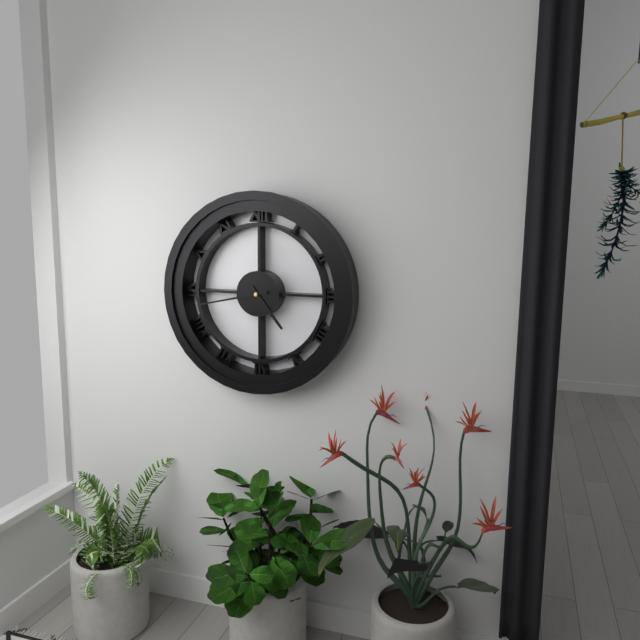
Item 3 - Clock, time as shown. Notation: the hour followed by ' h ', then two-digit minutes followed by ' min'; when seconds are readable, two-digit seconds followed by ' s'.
4 h 43 min
